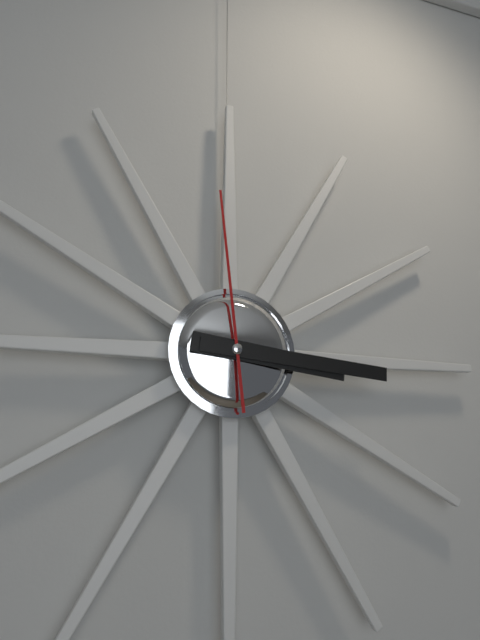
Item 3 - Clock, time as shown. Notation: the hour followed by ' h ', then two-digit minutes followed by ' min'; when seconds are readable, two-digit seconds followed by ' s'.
3 h 16 min 59 s
